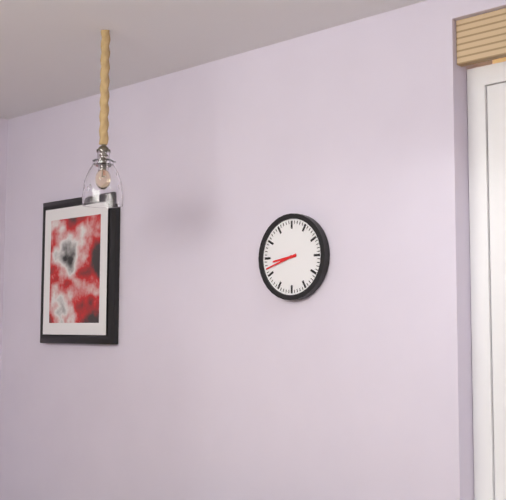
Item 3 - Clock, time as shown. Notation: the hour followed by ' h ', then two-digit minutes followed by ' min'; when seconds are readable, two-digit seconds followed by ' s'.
8 h 42 min
